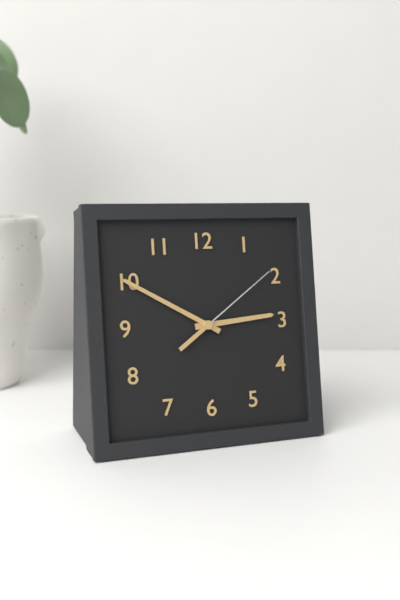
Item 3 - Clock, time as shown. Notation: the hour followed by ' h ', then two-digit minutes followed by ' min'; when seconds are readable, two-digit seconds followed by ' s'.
2 h 50 min 09 s
